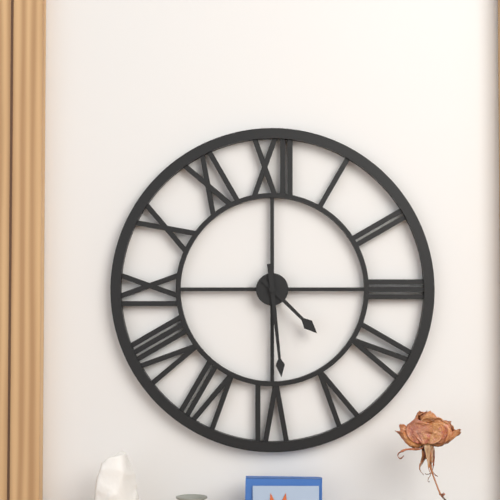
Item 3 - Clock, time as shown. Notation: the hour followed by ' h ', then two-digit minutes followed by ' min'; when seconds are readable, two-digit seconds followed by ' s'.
4 h 29 min
